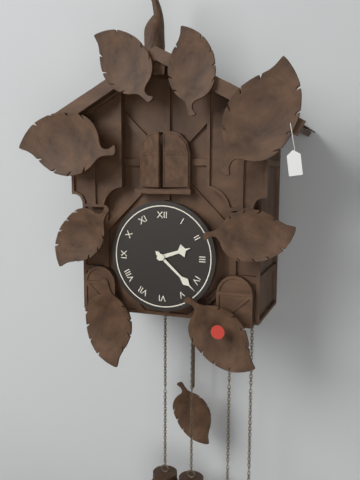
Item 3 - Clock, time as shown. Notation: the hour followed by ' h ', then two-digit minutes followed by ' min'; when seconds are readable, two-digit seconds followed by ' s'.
2 h 22 min
